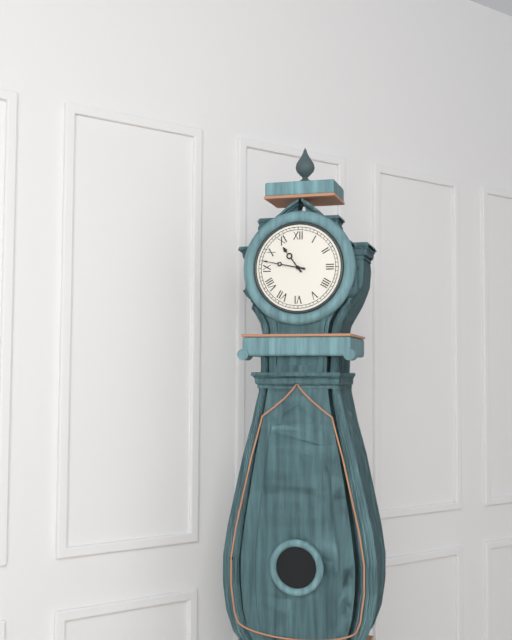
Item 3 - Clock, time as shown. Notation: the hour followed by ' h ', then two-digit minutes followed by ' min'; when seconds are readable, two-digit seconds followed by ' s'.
10 h 47 min
